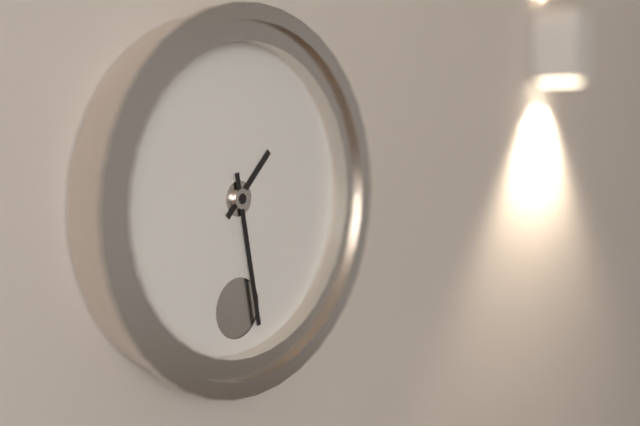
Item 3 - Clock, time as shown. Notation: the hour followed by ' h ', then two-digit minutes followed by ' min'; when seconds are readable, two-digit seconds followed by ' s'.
1 h 28 min
